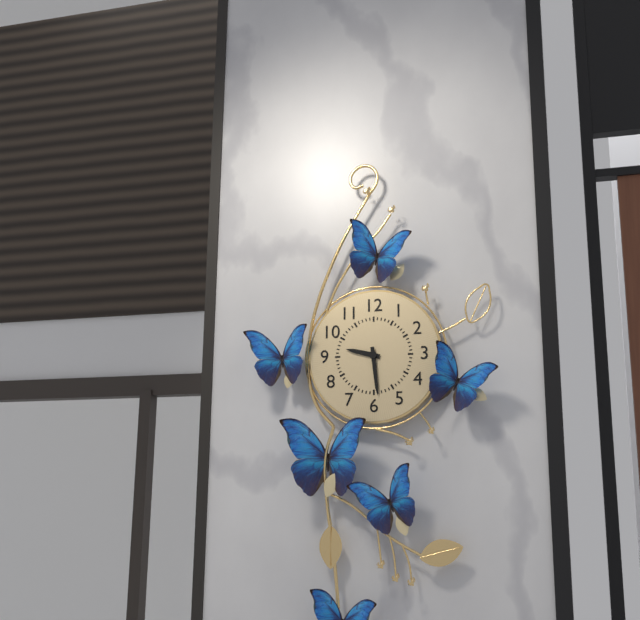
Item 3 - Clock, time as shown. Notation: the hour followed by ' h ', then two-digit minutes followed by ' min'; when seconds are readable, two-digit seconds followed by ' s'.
9 h 29 min
